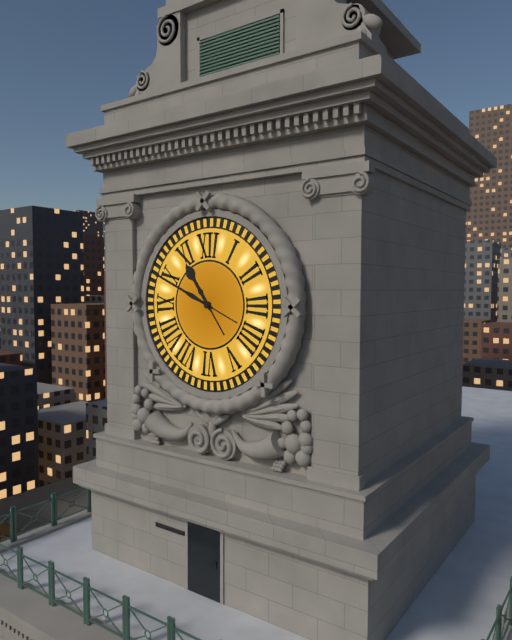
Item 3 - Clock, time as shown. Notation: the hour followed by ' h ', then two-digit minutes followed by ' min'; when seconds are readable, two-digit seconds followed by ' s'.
10 h 49 min
